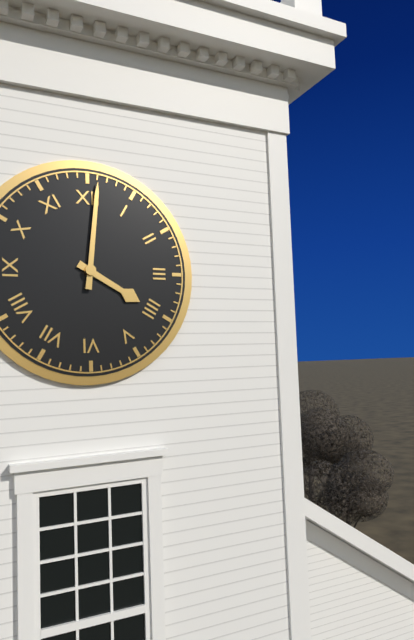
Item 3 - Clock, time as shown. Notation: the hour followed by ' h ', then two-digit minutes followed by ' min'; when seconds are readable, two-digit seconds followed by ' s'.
4 h 01 min
